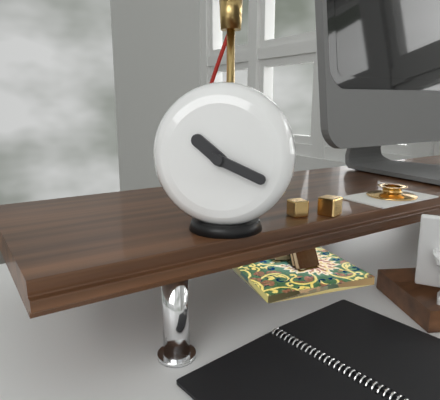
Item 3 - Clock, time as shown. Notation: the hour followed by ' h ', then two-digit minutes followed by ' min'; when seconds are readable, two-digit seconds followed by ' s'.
10 h 19 min
